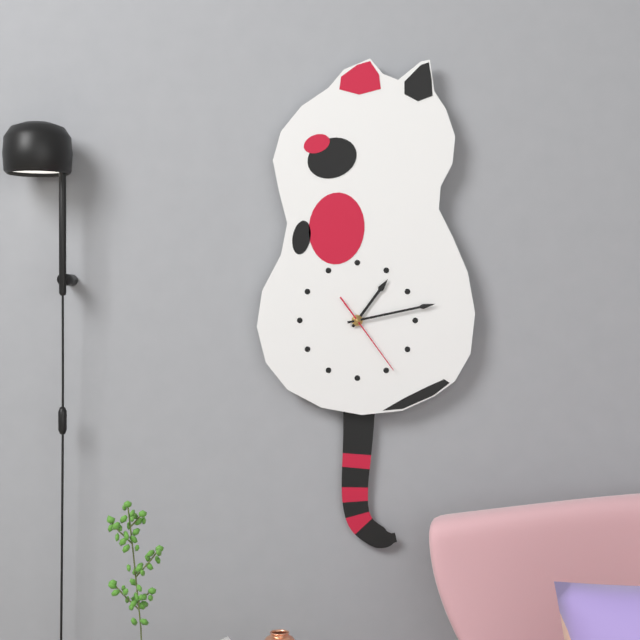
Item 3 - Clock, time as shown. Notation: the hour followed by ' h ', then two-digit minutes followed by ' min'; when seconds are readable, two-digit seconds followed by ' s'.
1 h 13 min 24 s
